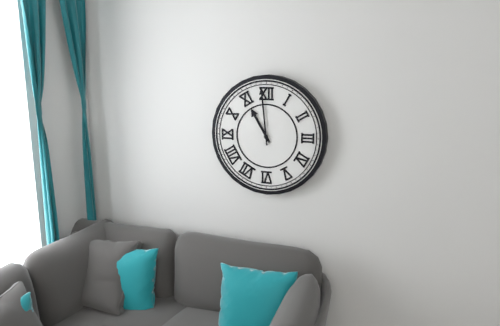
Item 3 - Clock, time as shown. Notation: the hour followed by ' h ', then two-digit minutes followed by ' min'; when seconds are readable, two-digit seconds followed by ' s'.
10 h 59 min
